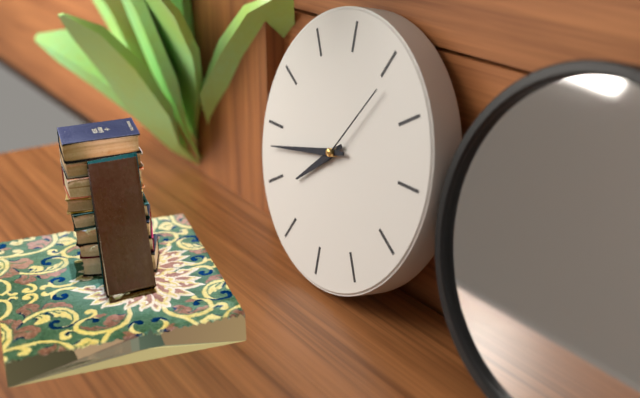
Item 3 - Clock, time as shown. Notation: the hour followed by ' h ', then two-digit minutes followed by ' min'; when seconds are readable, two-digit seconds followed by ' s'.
7 h 43 min 06 s
